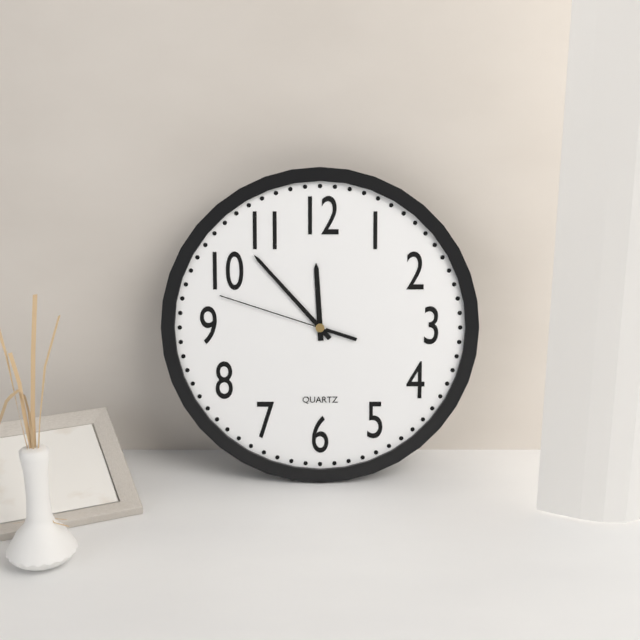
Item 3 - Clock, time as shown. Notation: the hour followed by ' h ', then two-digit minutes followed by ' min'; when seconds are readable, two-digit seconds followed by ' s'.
11 h 53 min 48 s
